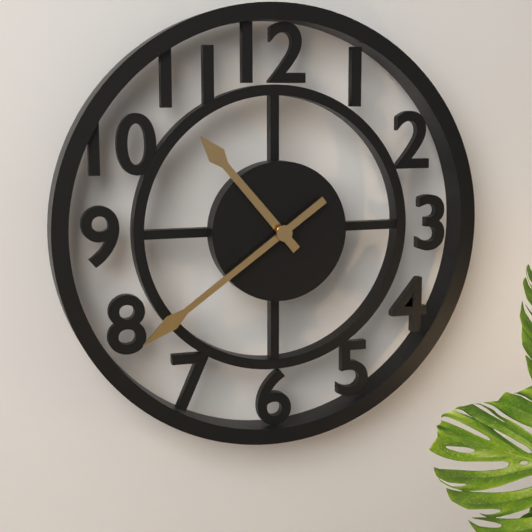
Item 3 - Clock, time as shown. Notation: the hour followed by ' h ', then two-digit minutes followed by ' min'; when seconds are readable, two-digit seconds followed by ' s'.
10 h 39 min
